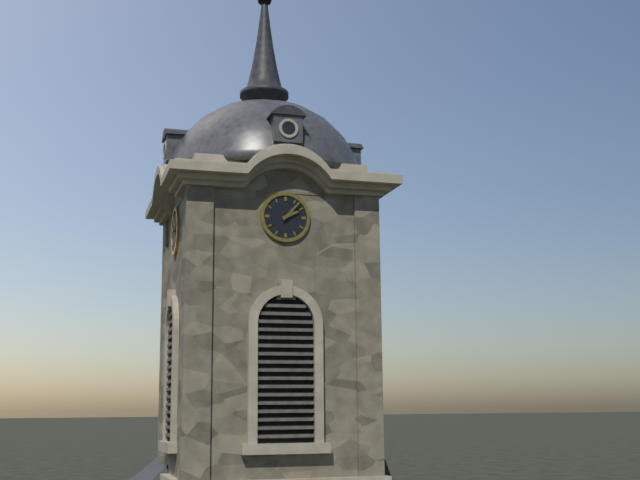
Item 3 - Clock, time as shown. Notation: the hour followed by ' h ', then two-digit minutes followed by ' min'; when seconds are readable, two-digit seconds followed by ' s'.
2 h 07 min
